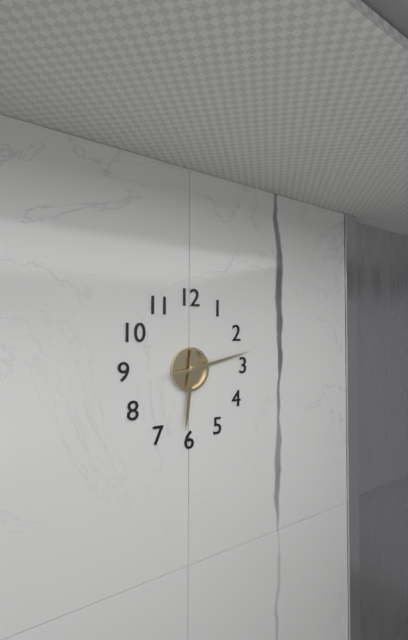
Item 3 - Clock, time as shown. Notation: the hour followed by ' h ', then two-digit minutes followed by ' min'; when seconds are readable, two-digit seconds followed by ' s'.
6 h 13 min
